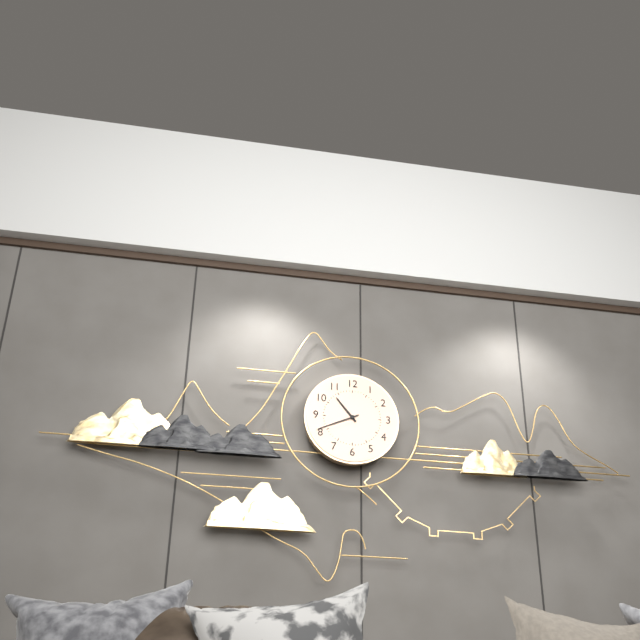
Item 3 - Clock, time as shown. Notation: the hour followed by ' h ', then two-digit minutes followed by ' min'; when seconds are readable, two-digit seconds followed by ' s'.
10 h 41 min
